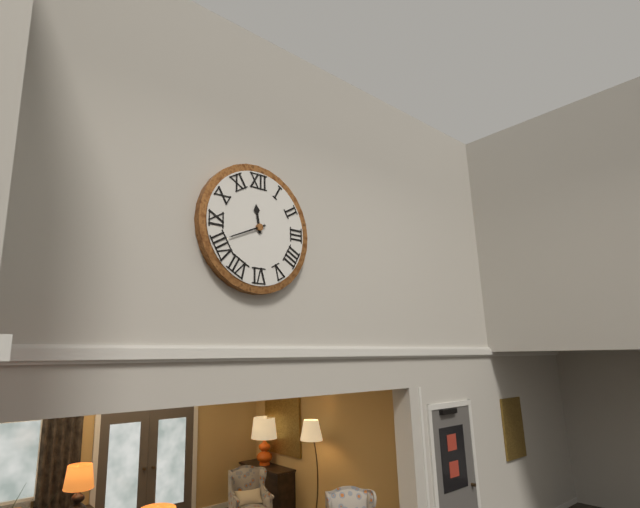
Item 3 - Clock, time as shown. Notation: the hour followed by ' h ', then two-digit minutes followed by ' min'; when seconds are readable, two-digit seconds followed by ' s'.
11 h 41 min
